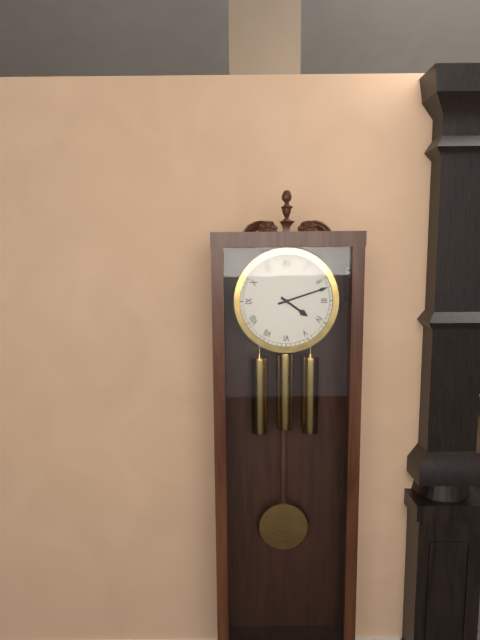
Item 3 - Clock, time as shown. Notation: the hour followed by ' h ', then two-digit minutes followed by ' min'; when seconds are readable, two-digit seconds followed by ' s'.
4 h 12 min
